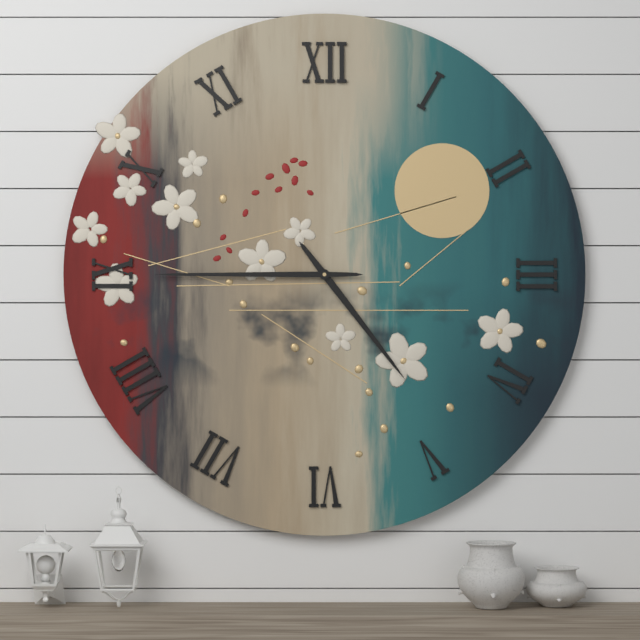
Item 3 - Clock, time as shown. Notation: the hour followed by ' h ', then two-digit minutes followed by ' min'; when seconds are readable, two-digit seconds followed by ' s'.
4 h 45 min
